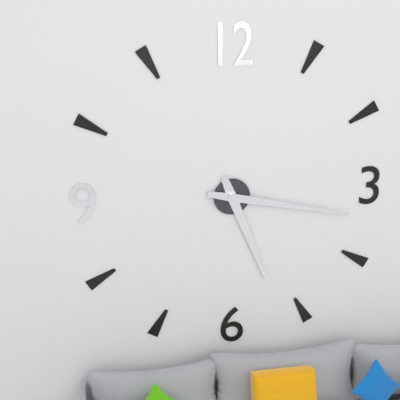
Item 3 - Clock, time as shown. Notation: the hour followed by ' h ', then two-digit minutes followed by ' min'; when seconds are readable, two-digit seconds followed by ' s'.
5 h 17 min
